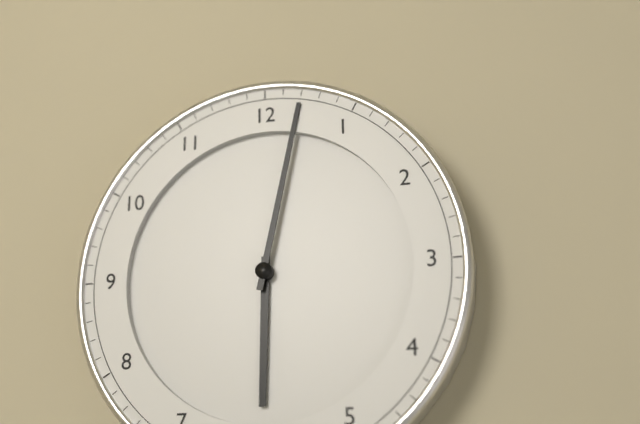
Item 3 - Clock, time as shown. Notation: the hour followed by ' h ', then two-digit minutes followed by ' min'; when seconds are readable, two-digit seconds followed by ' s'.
6 h 02 min
